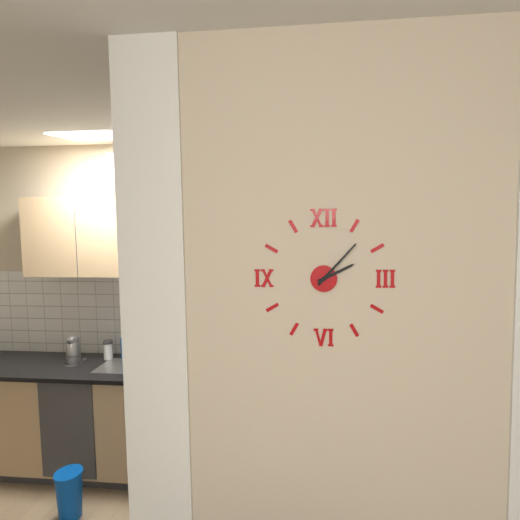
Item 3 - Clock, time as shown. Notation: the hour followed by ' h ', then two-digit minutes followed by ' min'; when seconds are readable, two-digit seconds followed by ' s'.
2 h 07 min
